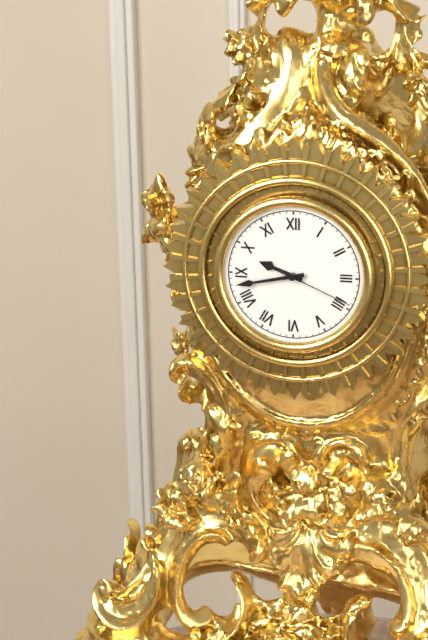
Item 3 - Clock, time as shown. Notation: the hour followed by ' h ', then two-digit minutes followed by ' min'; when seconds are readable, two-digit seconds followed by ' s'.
9 h 43 min 19 s
